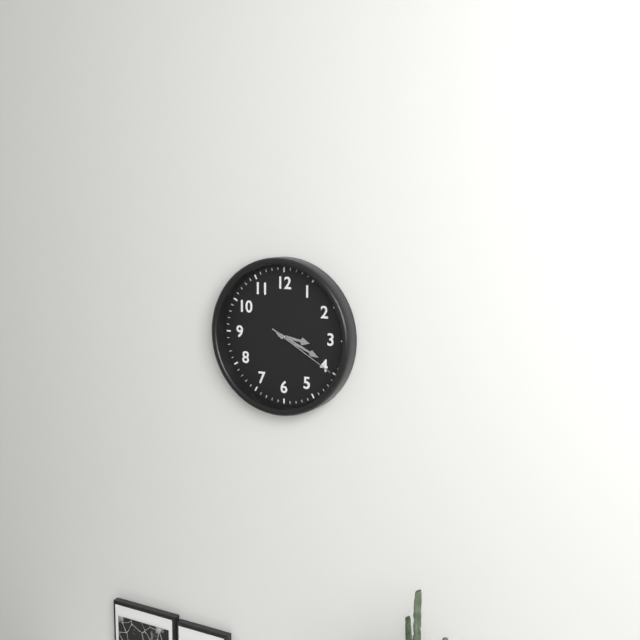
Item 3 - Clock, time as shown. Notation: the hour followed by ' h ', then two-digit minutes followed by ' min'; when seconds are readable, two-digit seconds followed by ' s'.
3 h 19 min 20 s
